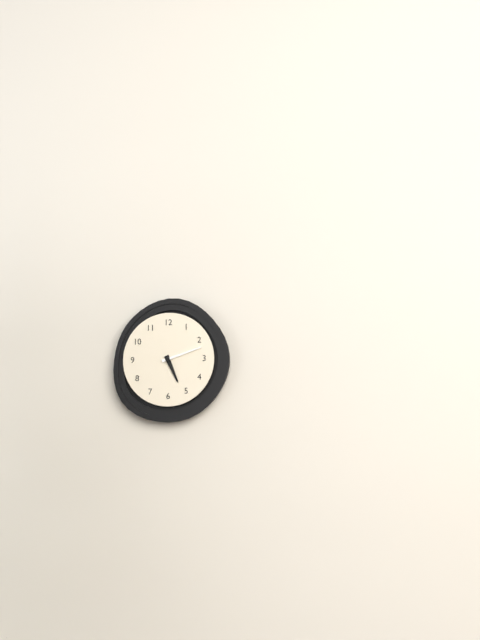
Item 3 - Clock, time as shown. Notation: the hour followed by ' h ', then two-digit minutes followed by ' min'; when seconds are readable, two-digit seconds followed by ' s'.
5 h 12 min
